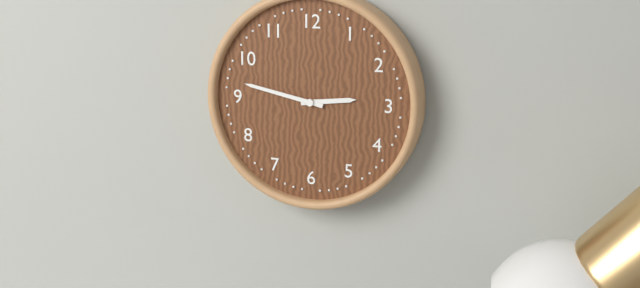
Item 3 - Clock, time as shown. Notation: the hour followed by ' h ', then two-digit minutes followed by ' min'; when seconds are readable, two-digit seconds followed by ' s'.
2 h 47 min
